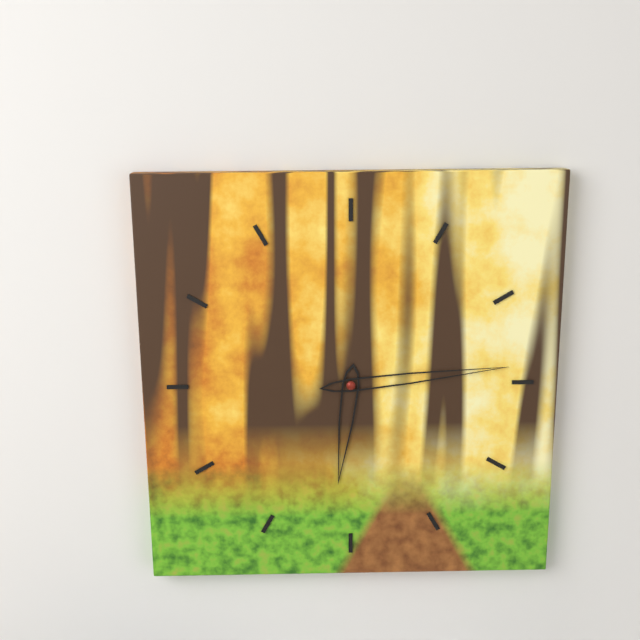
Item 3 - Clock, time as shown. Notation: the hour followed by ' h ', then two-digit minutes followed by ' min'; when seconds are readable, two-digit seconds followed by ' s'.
6 h 14 min
